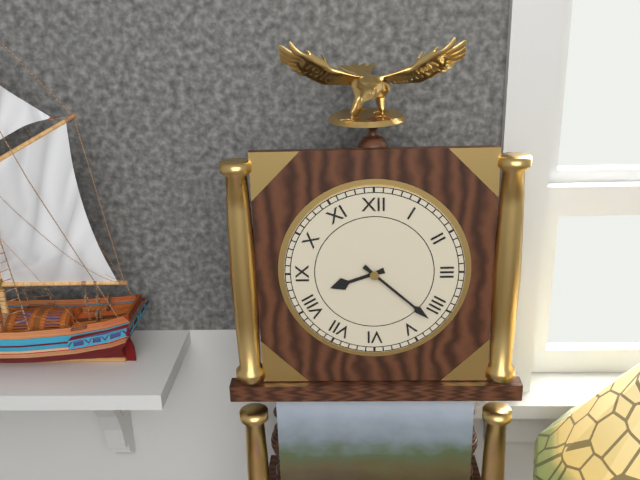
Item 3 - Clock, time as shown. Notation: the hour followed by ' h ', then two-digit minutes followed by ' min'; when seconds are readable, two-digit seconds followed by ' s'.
8 h 22 min
